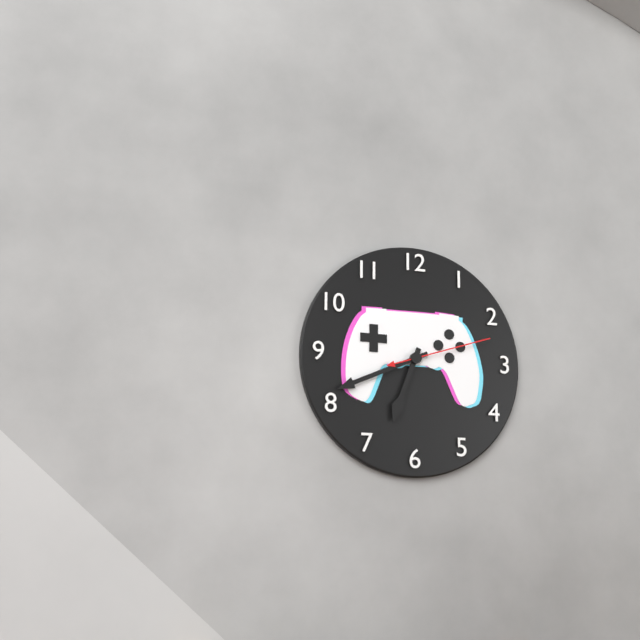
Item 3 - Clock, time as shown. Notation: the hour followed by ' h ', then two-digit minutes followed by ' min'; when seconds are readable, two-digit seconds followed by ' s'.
6 h 41 min 12 s
